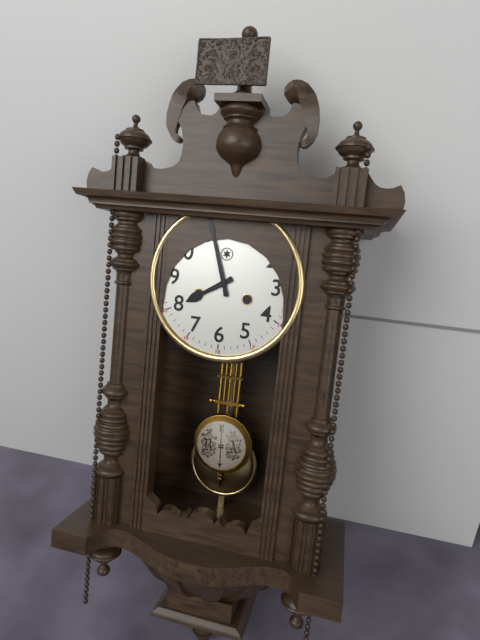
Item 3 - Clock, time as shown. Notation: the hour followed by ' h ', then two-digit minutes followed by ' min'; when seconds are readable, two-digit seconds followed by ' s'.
7 h 57 min
